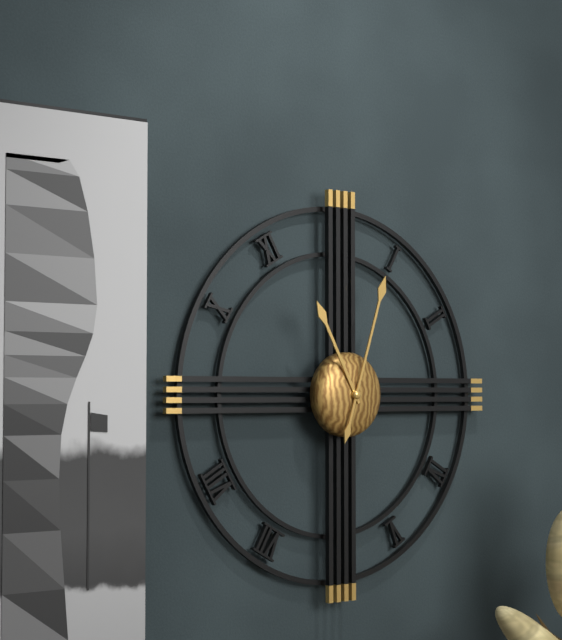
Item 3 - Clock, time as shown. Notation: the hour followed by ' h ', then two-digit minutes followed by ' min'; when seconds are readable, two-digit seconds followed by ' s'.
11 h 03 min
